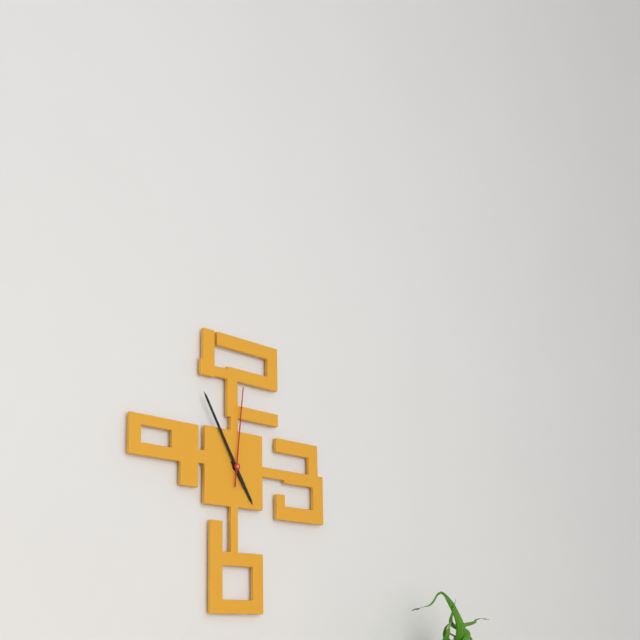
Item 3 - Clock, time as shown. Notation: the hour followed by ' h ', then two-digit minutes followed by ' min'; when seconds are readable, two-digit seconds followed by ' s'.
4 h 55 min 01 s
